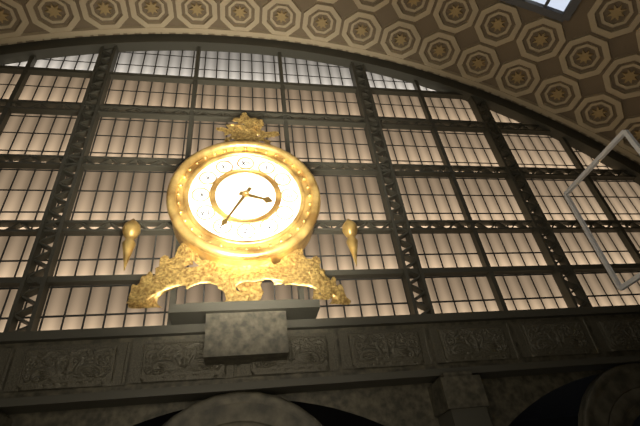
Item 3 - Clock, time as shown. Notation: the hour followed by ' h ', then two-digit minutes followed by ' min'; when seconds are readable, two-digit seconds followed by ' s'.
3 h 35 min
